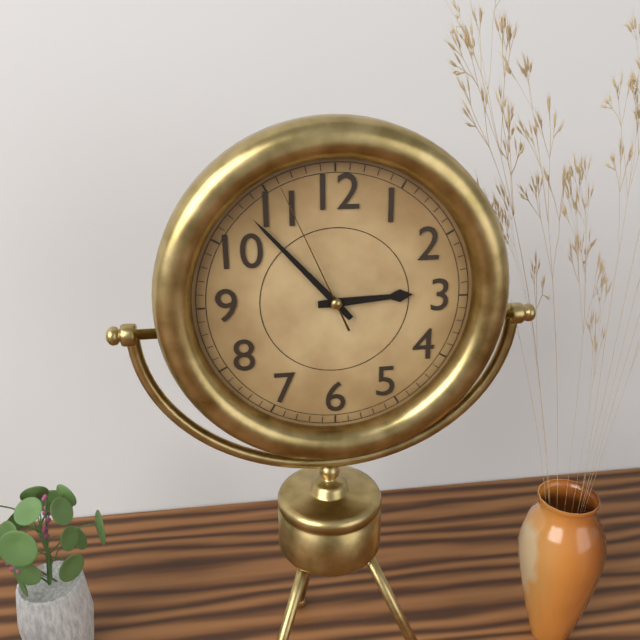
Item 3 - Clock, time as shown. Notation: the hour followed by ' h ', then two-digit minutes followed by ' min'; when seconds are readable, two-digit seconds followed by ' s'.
2 h 53 min 56 s
